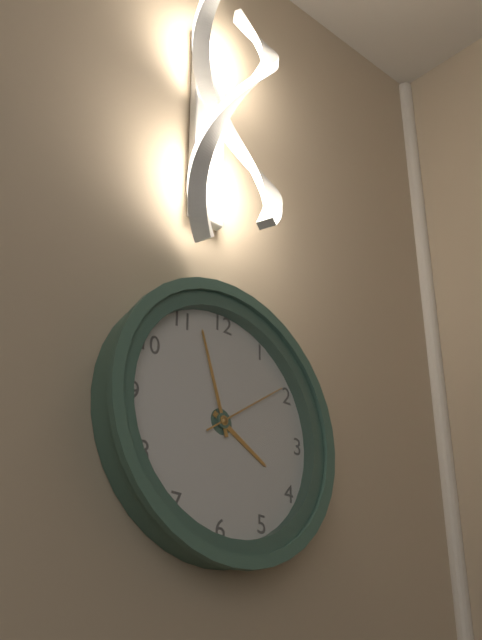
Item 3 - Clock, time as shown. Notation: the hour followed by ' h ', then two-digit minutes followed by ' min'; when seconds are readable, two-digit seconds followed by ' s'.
3 h 57 min 09 s
